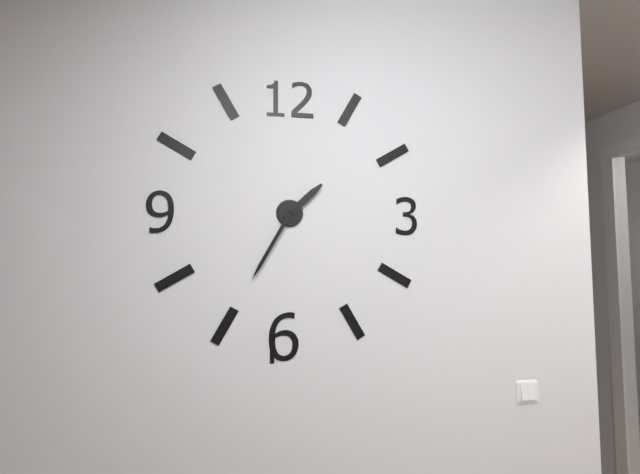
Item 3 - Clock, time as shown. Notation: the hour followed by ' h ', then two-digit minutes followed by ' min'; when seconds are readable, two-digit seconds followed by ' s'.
1 h 35 min
